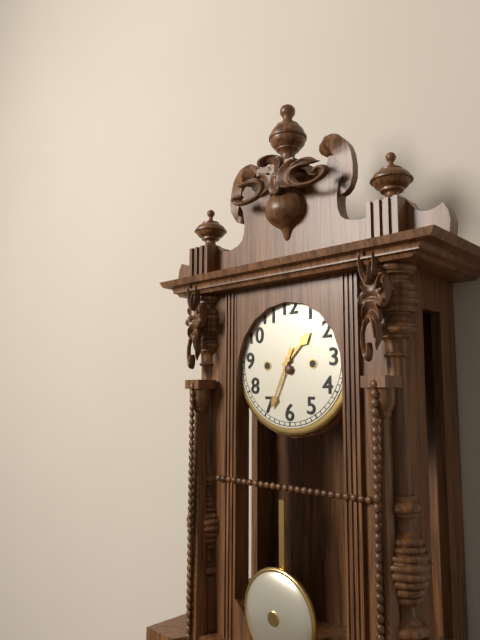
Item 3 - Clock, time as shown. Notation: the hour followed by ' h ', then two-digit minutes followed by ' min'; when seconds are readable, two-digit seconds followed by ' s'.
1 h 34 min
